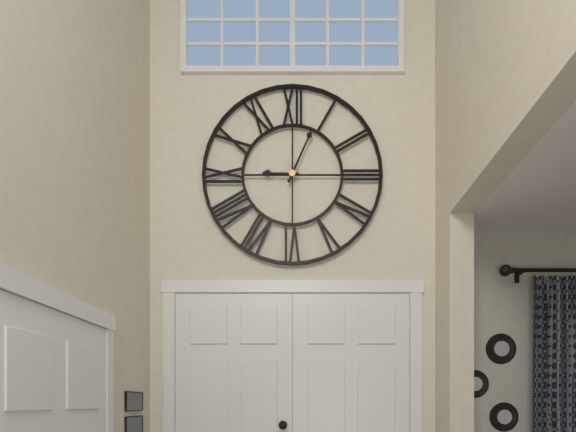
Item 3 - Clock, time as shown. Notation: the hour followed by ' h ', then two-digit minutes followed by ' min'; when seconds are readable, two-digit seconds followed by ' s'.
9 h 04 min
